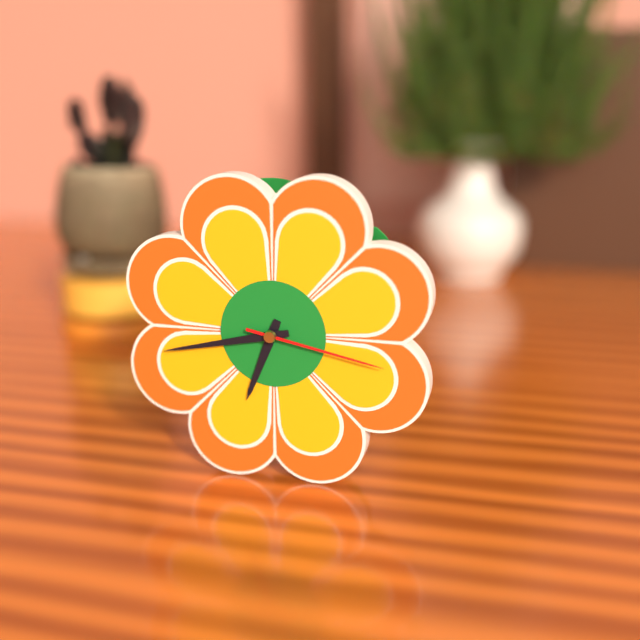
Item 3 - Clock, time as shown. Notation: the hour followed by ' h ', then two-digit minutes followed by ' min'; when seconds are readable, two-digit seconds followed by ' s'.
6 h 43 min 17 s
